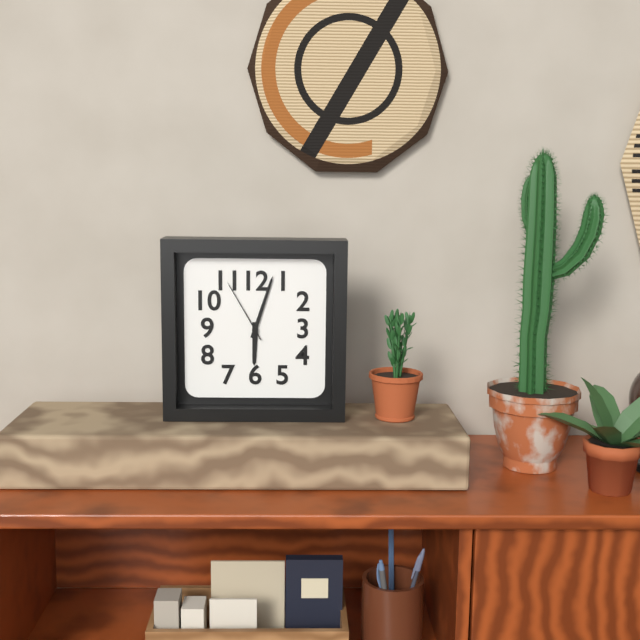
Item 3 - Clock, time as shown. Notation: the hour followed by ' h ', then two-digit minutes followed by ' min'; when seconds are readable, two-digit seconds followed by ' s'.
6 h 03 min 55 s
